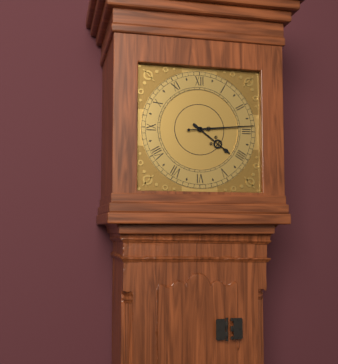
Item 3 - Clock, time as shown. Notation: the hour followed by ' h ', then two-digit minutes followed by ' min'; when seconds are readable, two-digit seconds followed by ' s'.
4 h 14 min
